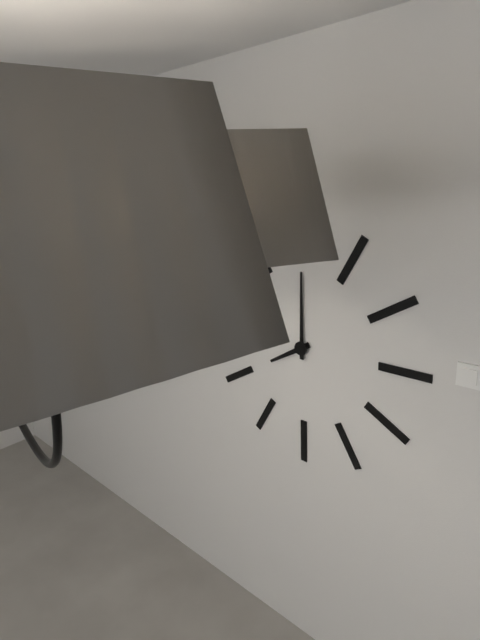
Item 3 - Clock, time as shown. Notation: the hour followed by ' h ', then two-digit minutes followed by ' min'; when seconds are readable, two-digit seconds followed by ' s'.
8 h 00 min
